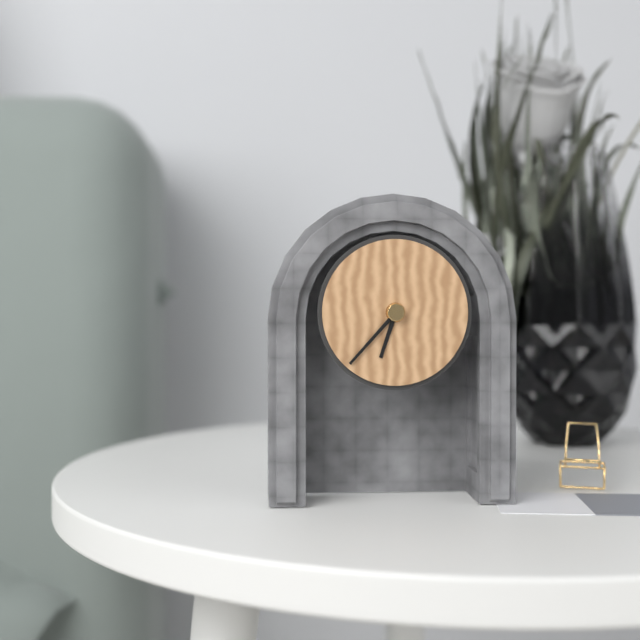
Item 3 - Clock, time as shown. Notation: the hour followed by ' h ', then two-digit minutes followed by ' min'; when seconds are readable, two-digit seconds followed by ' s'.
6 h 37 min
